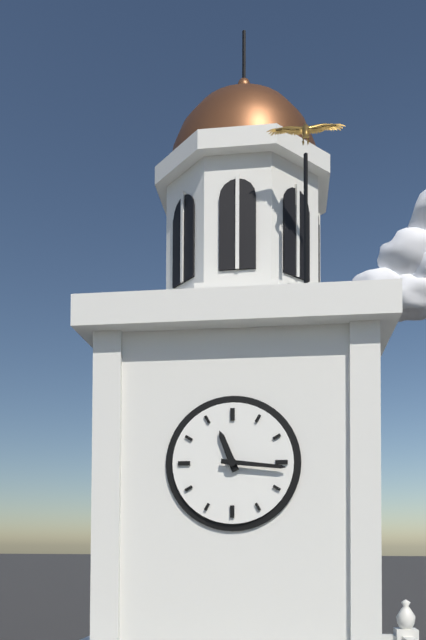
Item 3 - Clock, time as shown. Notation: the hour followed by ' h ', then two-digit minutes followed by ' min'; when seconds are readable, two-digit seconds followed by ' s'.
11 h 16 min
